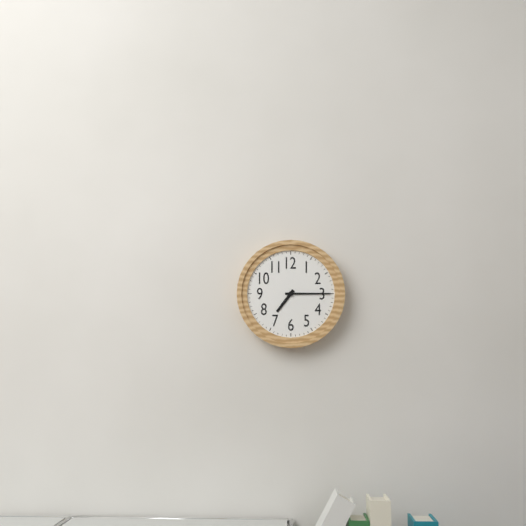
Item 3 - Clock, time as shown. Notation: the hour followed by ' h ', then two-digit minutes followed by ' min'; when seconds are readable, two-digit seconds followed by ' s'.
7 h 15 min
